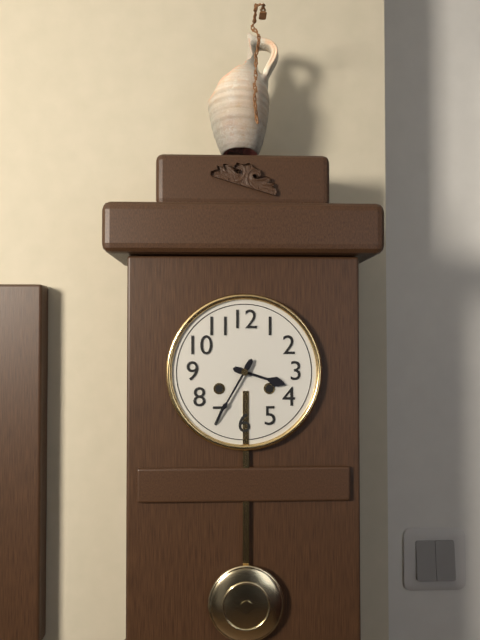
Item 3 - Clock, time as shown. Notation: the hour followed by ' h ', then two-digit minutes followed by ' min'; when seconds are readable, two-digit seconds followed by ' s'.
3 h 35 min
